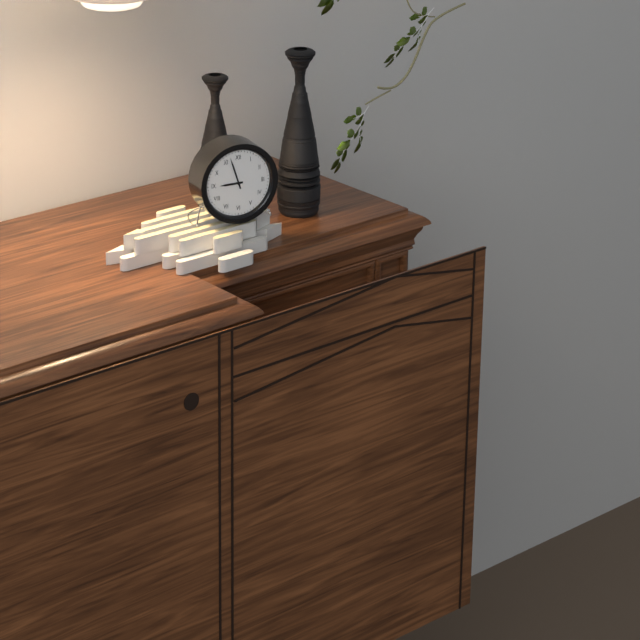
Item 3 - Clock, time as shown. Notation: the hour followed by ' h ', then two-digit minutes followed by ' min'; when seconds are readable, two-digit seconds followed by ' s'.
8 h 57 min
